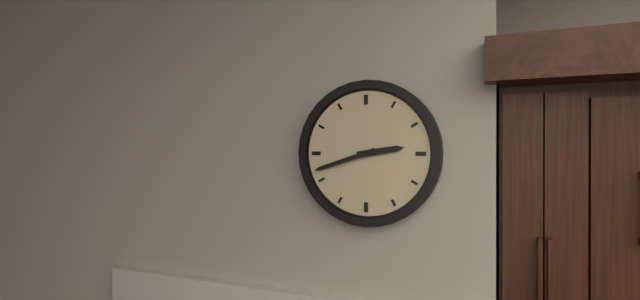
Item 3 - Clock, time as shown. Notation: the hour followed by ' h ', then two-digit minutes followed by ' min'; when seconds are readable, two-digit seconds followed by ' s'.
2 h 42 min
